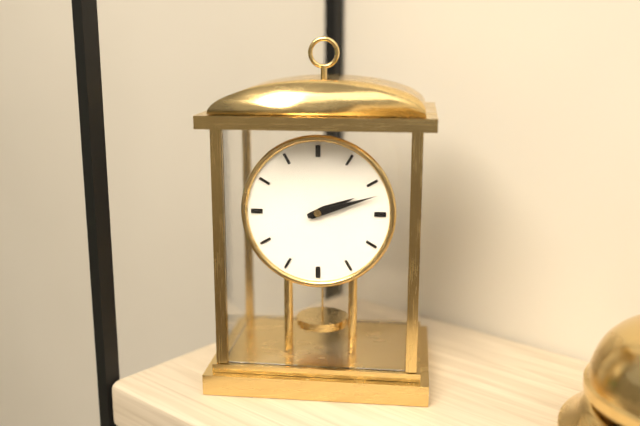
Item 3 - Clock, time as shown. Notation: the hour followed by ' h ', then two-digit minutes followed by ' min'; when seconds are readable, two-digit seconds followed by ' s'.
2 h 12 min
